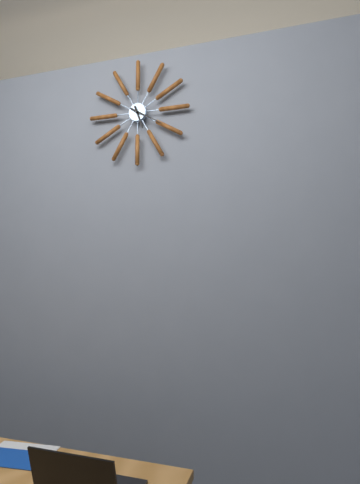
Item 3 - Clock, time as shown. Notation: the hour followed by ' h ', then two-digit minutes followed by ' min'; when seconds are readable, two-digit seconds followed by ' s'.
5 h 20 min
